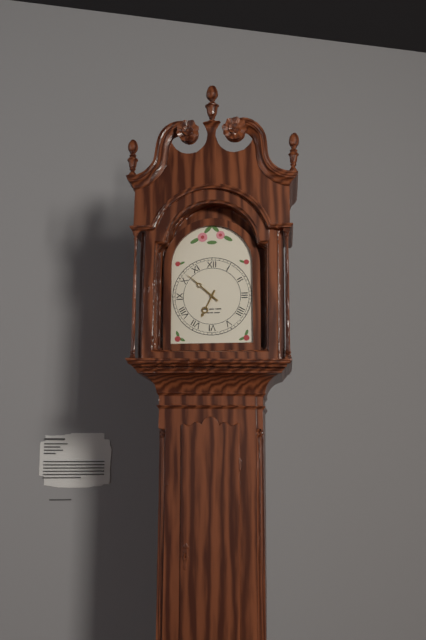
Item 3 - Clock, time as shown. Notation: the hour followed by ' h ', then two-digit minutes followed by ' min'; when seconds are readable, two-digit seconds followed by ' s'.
6 h 52 min
